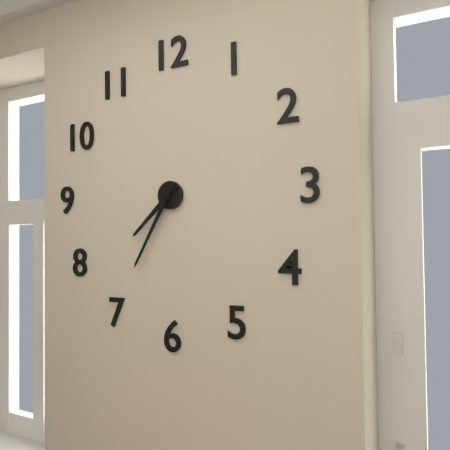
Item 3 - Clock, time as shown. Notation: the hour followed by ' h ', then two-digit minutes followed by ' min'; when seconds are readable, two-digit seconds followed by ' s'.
7 h 35 min
